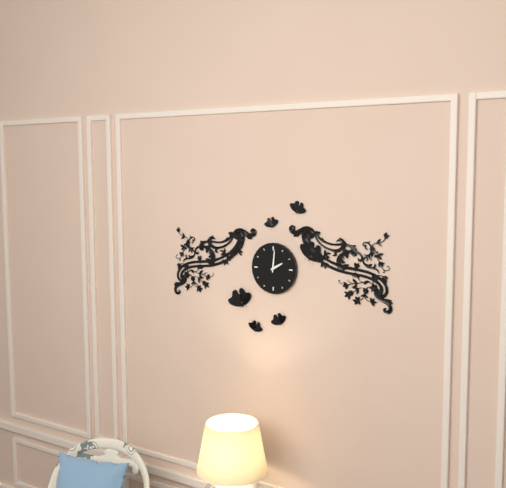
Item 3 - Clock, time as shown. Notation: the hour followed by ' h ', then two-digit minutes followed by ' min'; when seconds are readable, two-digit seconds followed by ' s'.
2 h 01 min
